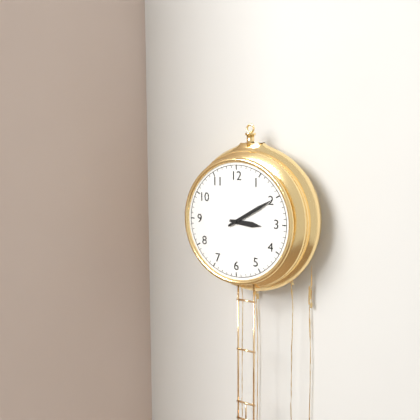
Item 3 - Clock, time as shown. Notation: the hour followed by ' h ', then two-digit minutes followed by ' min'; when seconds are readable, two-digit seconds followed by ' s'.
3 h 10 min
